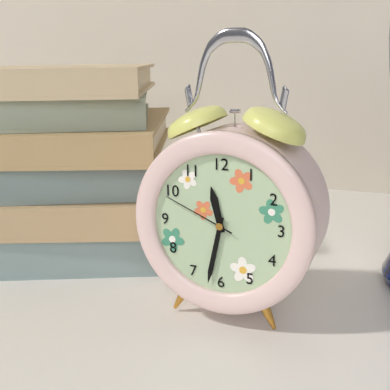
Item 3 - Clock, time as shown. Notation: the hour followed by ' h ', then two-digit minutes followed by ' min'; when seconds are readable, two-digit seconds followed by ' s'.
11 h 32 min 49 s
